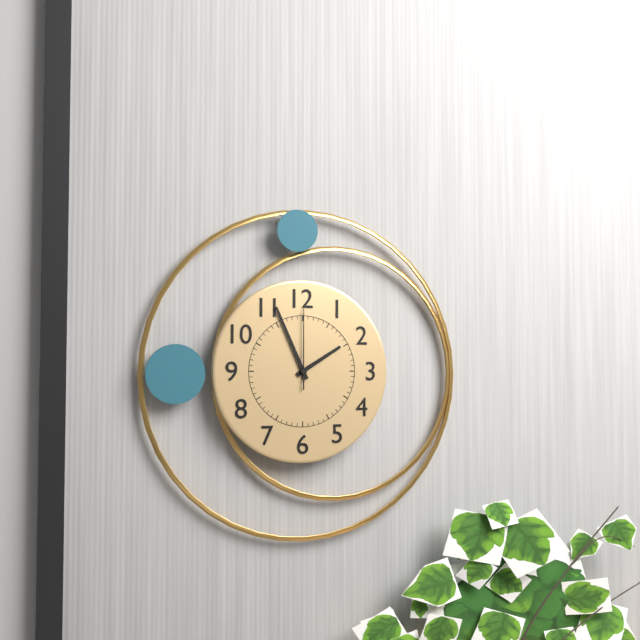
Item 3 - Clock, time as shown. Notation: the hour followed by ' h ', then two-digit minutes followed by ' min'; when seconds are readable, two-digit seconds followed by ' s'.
1 h 56 min 00 s
